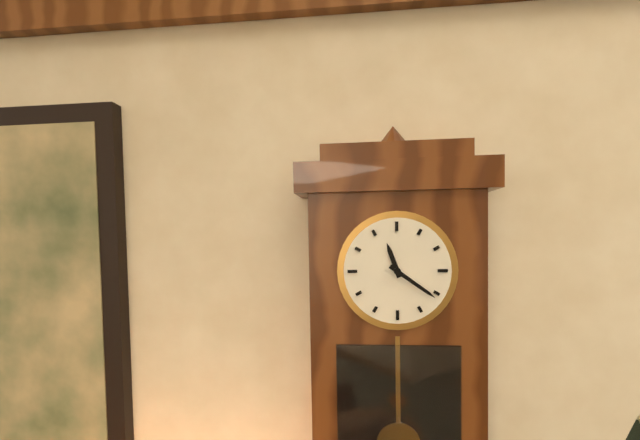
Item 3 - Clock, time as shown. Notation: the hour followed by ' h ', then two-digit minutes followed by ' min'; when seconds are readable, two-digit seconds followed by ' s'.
11 h 21 min
